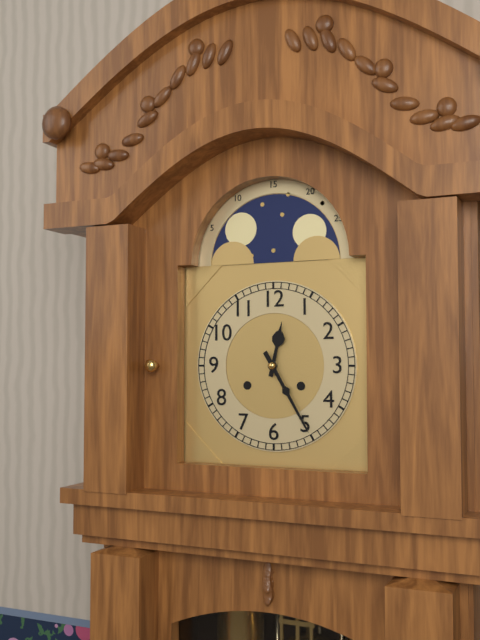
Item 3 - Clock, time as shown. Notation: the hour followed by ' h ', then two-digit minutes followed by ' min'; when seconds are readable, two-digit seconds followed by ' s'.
12 h 25 min
